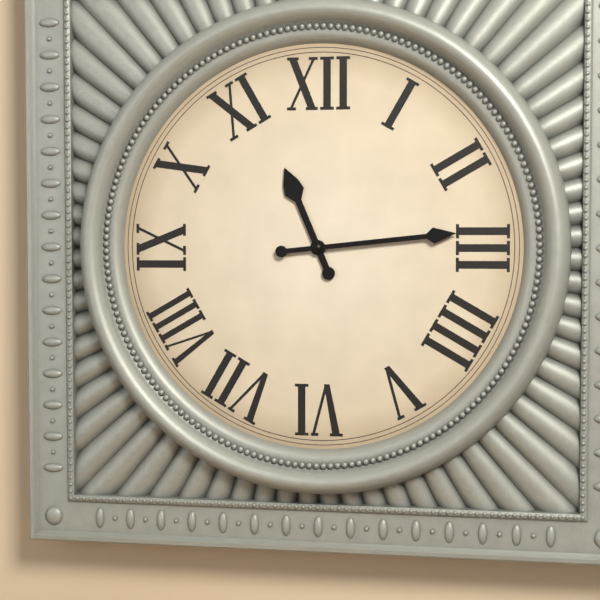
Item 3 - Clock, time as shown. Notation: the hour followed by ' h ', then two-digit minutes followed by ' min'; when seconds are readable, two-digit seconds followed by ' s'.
11 h 14 min
